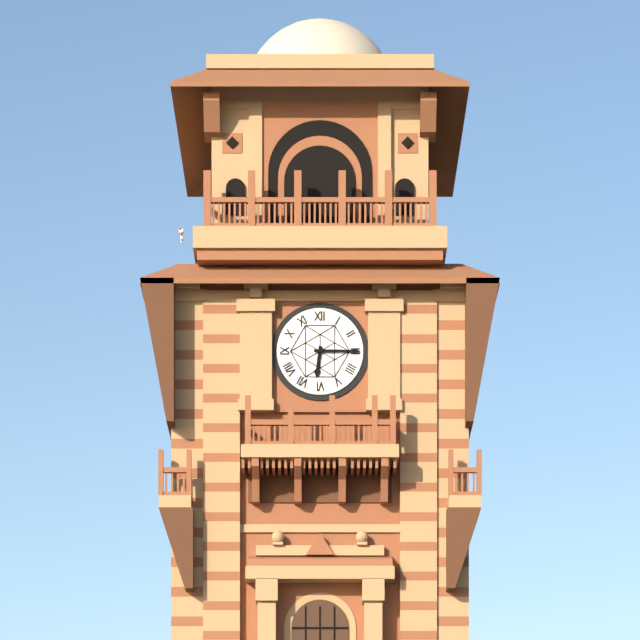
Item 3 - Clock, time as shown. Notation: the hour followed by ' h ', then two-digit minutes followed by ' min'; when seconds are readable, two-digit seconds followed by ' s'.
6 h 15 min
